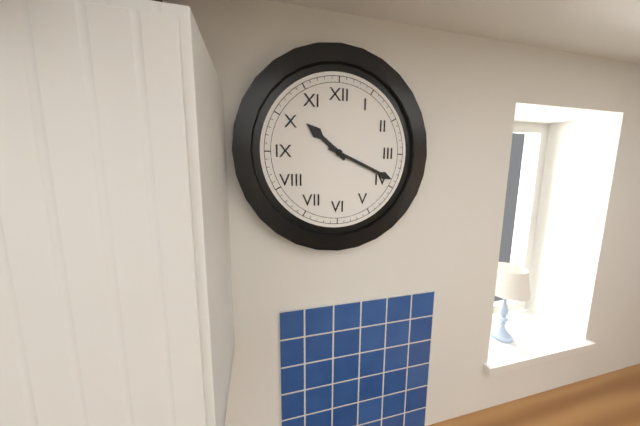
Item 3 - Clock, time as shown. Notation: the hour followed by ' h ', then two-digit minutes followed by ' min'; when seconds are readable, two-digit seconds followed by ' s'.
10 h 19 min
